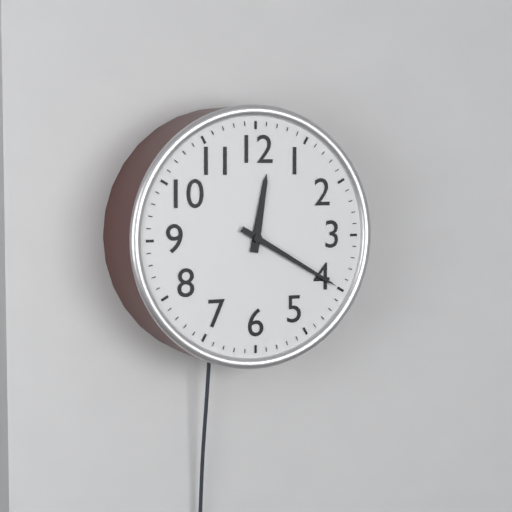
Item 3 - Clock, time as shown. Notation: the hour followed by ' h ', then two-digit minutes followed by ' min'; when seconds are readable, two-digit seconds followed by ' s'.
12 h 20 min
